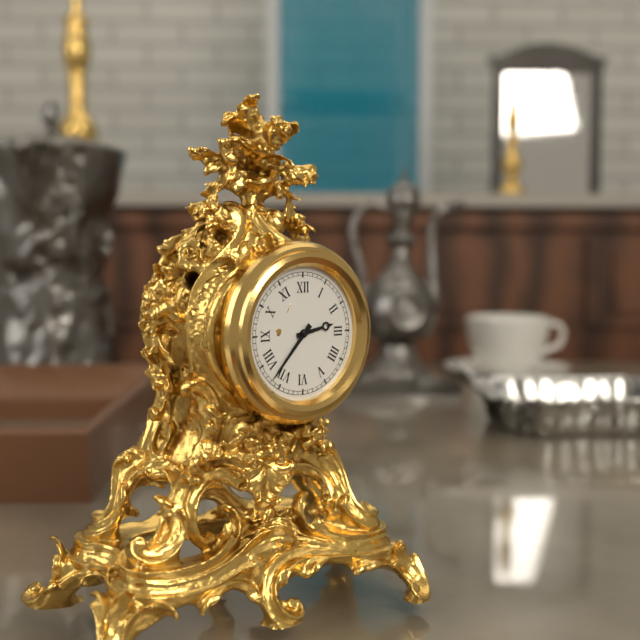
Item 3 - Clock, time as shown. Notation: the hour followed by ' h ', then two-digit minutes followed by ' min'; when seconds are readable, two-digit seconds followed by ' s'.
2 h 37 min
